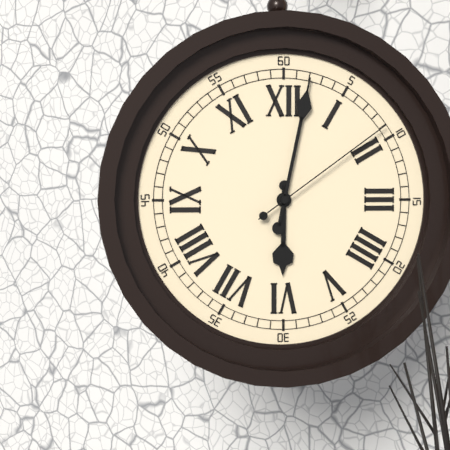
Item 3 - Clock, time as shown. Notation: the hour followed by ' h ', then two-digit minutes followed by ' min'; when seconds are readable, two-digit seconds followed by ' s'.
6 h 02 min 09 s
